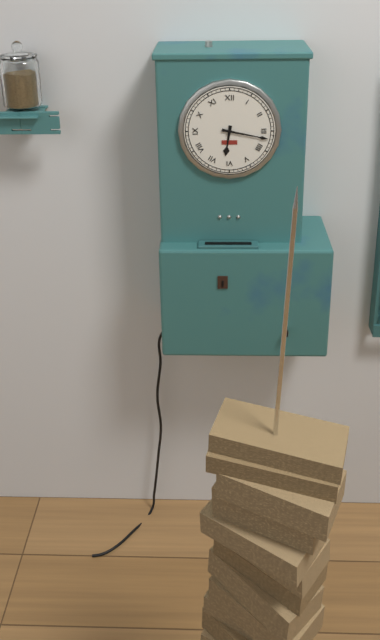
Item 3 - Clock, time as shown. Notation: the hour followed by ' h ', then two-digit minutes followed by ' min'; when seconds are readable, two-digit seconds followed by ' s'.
6 h 17 min
